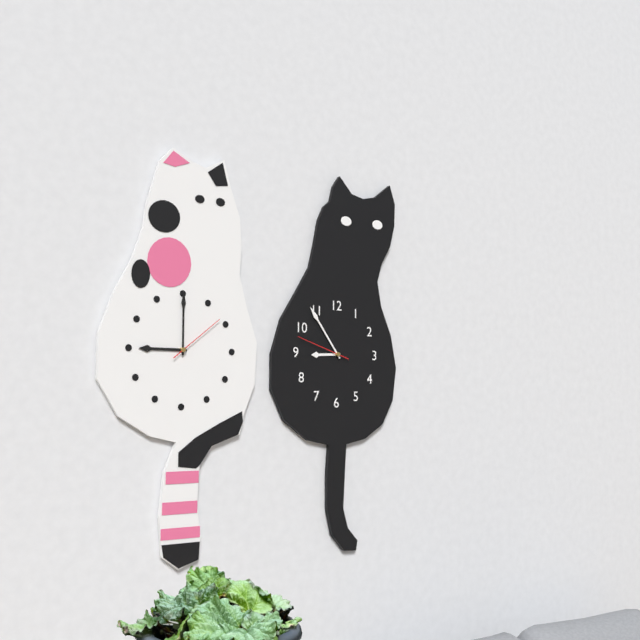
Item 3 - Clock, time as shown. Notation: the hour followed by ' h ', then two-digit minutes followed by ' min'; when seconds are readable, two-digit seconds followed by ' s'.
8 h 54 min 48 s
